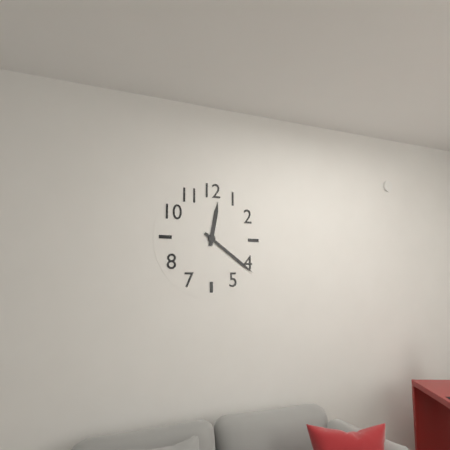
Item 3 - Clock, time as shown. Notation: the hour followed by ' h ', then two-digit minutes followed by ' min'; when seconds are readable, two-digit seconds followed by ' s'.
12 h 21 min
